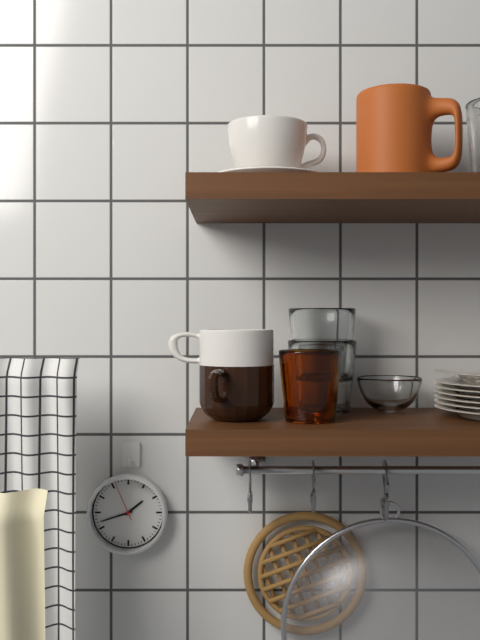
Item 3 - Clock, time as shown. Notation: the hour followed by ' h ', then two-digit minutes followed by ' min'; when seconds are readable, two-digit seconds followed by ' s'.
1 h 42 min
